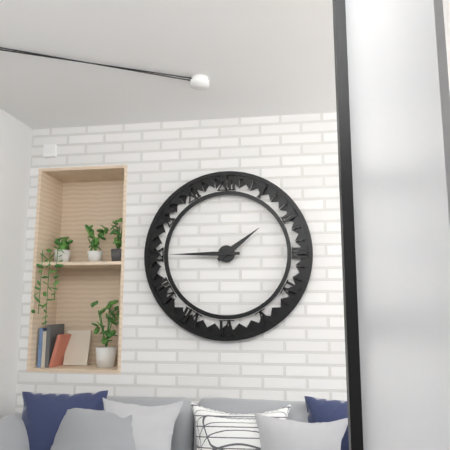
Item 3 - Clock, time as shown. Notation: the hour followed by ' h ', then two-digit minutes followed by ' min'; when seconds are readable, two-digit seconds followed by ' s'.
1 h 45 min
